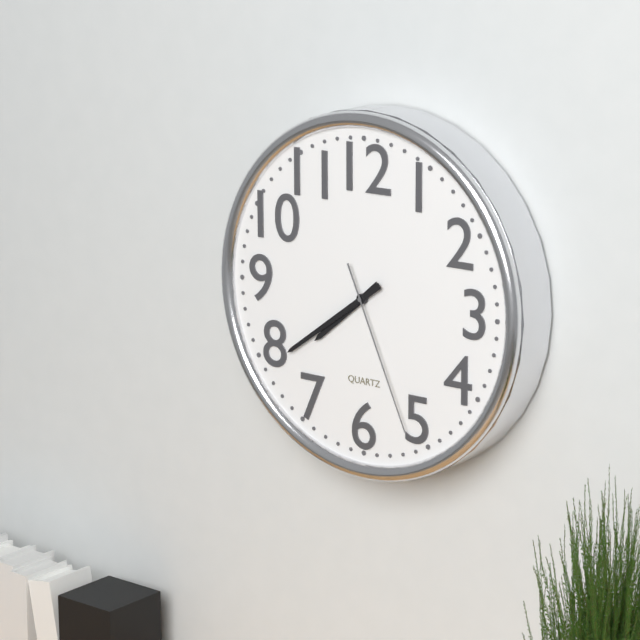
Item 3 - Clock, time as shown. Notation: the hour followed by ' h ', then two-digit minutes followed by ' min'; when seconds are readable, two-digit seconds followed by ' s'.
7 h 39 min 26 s
